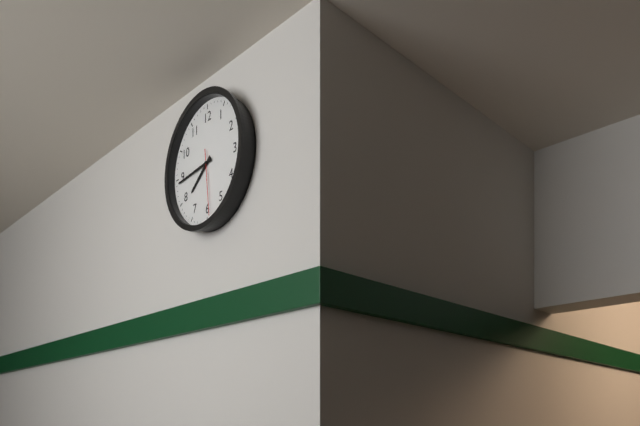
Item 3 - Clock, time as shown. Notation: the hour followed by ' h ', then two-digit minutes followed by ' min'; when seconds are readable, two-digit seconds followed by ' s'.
7 h 44 min 29 s
